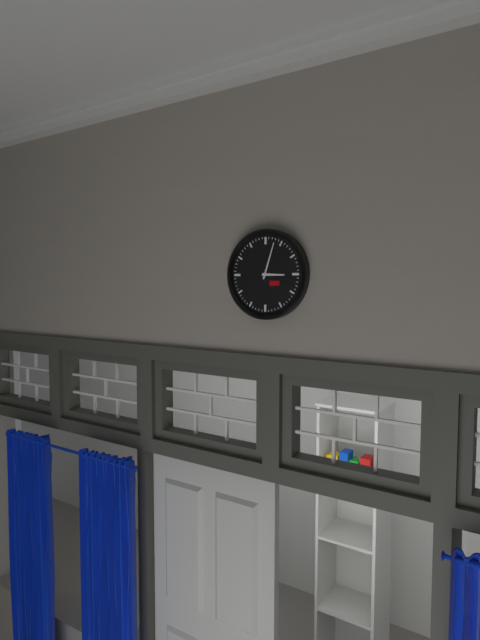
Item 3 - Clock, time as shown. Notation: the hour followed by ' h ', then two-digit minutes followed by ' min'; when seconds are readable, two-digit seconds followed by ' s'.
3 h 03 min
